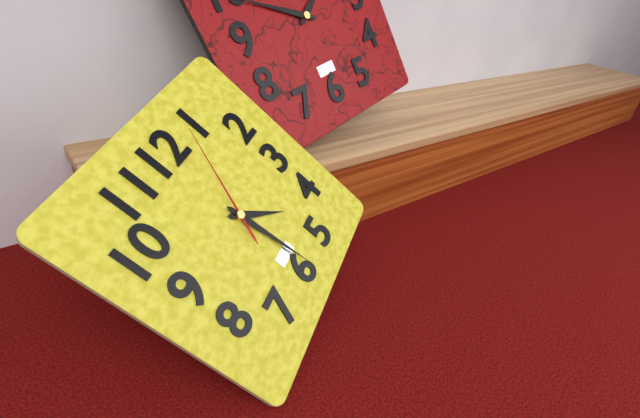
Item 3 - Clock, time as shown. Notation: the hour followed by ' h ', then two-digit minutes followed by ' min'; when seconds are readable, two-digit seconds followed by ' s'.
4 h 29 min 04 s
